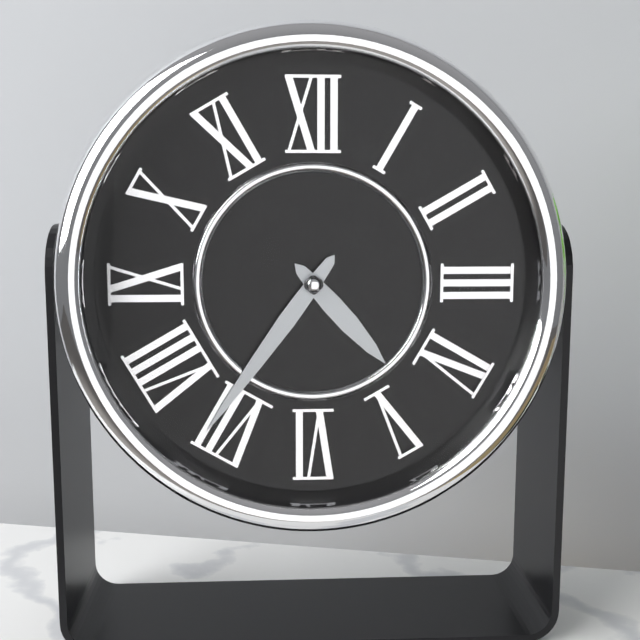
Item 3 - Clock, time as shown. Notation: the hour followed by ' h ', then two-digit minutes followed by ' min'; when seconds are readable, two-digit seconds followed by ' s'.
4 h 36 min
